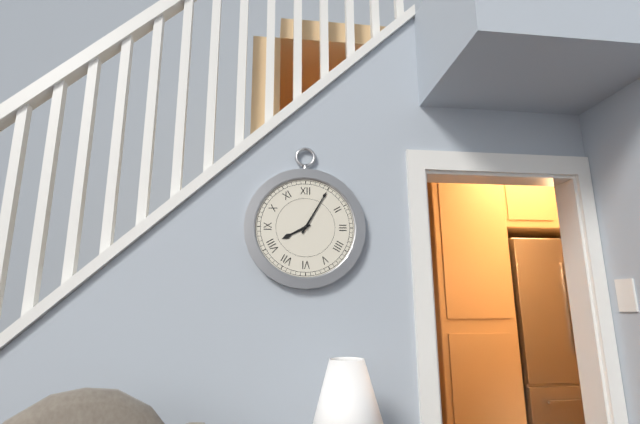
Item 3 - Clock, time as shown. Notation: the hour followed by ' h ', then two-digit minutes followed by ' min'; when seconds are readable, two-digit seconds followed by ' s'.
8 h 05 min
